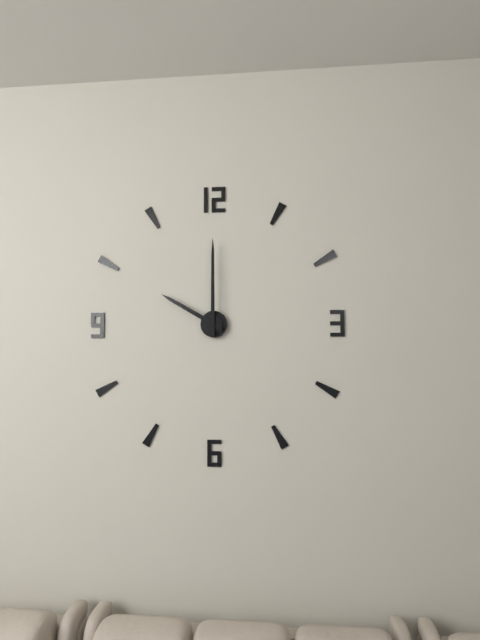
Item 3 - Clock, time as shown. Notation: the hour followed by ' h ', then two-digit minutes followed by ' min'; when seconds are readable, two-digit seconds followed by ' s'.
10 h 00 min
